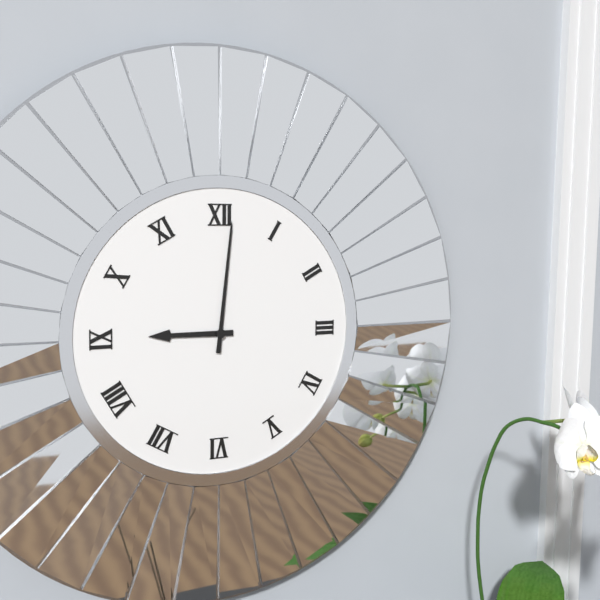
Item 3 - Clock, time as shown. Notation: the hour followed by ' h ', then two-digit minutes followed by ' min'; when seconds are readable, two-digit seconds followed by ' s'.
9 h 01 min
